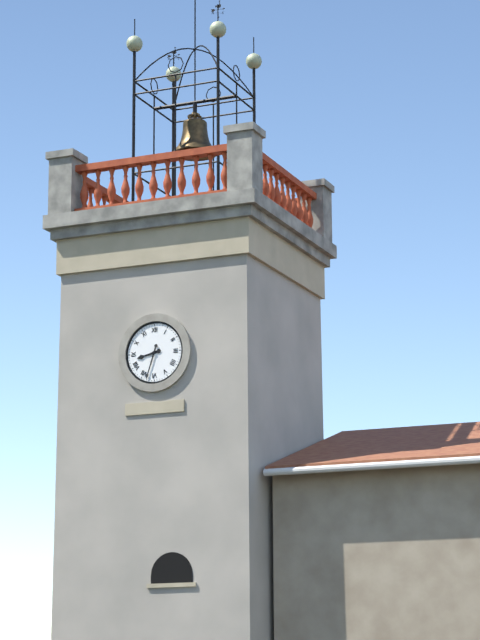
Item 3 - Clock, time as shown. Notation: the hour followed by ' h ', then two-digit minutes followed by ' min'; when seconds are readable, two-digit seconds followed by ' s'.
8 h 33 min
